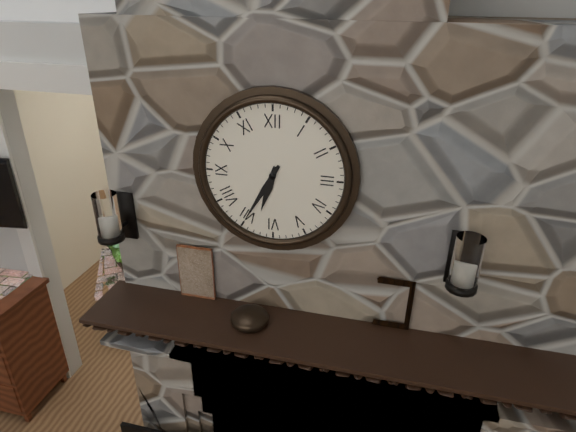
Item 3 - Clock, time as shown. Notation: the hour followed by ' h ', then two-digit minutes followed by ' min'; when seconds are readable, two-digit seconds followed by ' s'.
6 h 35 min
